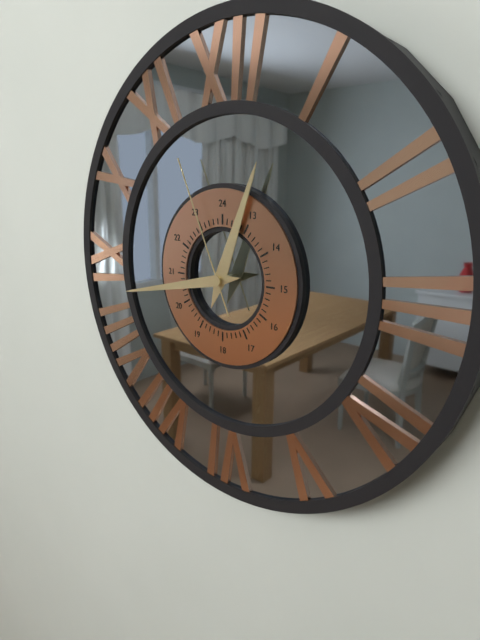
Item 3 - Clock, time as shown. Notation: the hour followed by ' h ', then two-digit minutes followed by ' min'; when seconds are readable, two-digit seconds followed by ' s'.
12 h 43 min 56 s
